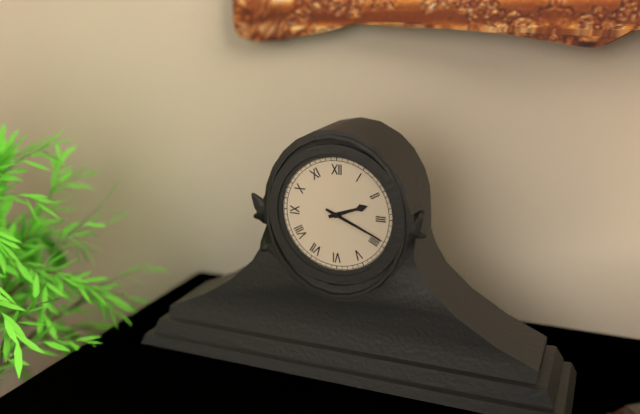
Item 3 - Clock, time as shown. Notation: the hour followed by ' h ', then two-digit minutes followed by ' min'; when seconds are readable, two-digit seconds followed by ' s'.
2 h 19 min
